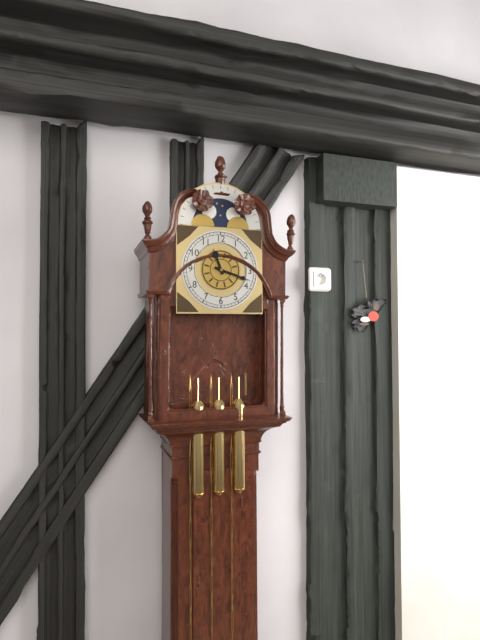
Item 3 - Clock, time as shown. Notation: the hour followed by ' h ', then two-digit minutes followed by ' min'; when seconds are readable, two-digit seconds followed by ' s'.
11 h 18 min
